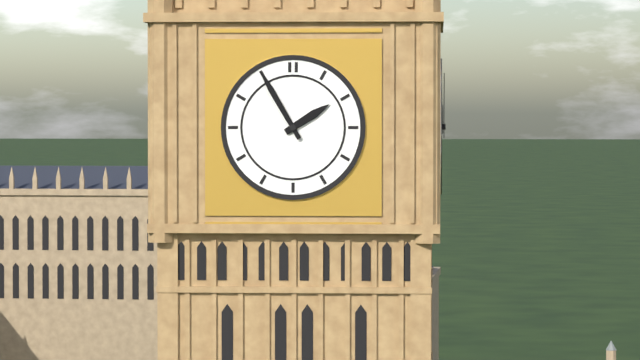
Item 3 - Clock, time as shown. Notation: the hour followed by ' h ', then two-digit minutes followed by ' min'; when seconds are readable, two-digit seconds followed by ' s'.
1 h 55 min
